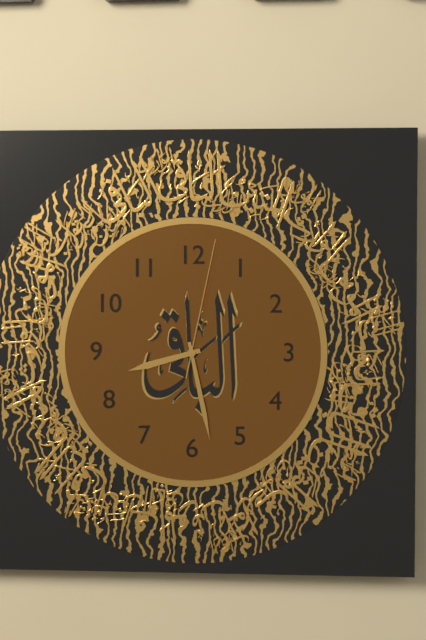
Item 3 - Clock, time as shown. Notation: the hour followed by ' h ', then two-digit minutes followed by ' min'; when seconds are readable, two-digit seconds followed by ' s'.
8 h 28 min 02 s
